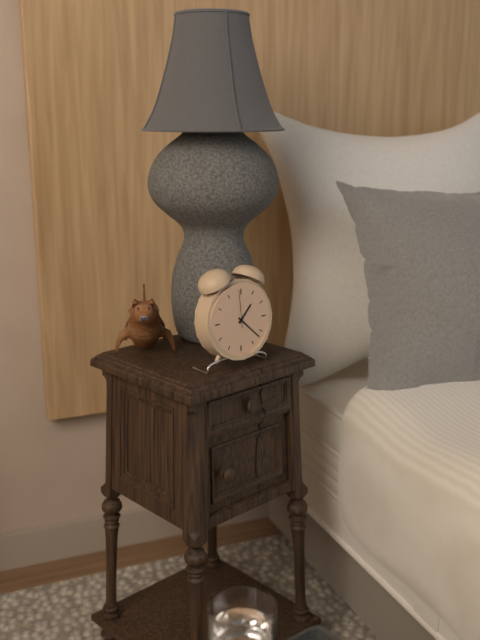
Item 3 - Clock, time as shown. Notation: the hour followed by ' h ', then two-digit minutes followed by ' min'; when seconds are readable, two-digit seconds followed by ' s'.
1 h 22 min
